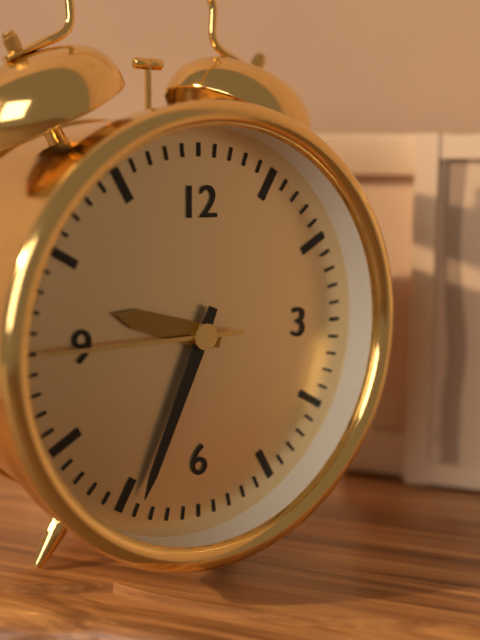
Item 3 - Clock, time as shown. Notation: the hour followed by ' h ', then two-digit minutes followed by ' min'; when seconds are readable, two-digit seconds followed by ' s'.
9 h 34 min 45 s
